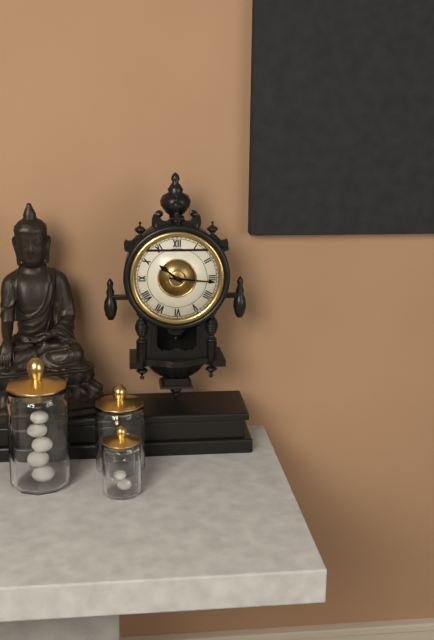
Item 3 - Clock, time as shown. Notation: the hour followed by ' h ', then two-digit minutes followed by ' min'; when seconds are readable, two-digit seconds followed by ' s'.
10 h 16 min
